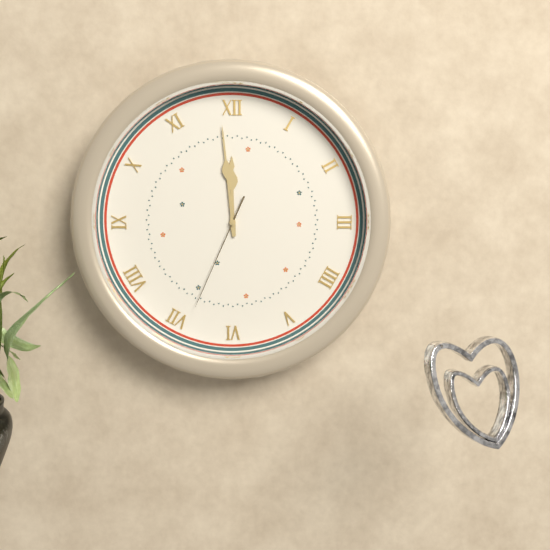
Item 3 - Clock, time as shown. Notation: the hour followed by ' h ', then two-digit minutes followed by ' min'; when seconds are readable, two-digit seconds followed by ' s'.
11 h 59 min 34 s
